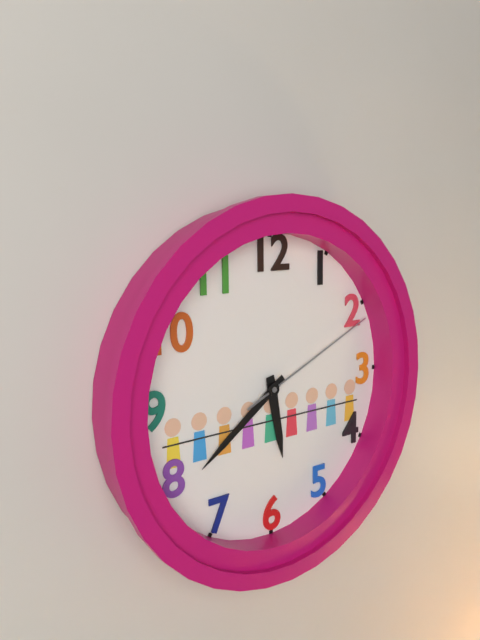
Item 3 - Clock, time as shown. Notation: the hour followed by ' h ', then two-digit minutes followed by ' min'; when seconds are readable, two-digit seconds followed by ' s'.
5 h 39 min 11 s
